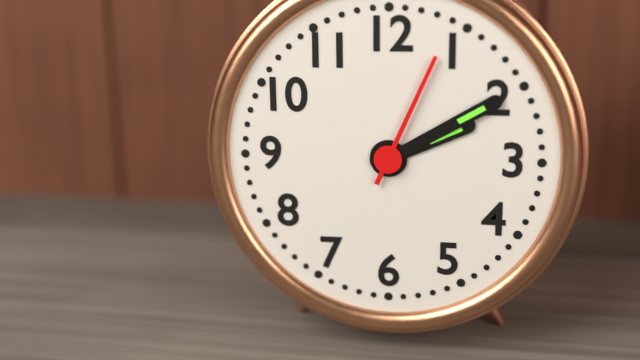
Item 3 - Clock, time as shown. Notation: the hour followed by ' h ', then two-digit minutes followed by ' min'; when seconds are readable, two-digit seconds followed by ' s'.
2 h 10 min 04 s
